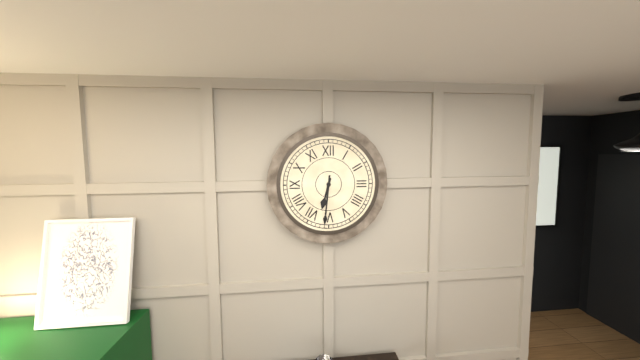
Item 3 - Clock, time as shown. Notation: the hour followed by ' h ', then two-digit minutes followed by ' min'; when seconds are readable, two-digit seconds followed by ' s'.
6 h 31 min
